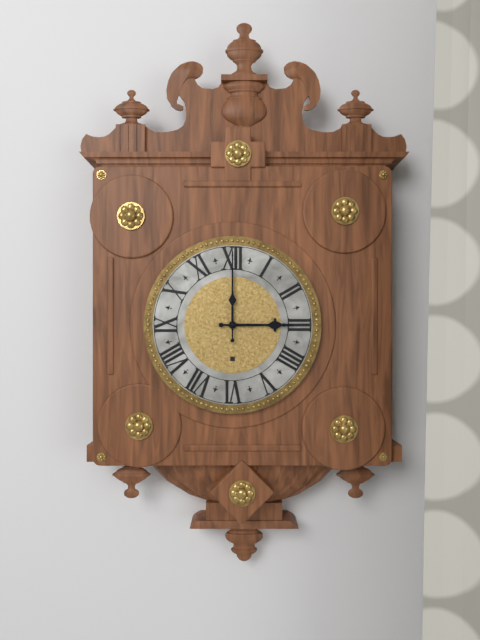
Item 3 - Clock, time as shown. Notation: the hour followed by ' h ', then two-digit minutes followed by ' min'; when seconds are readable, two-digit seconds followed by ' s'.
3 h 00 min
